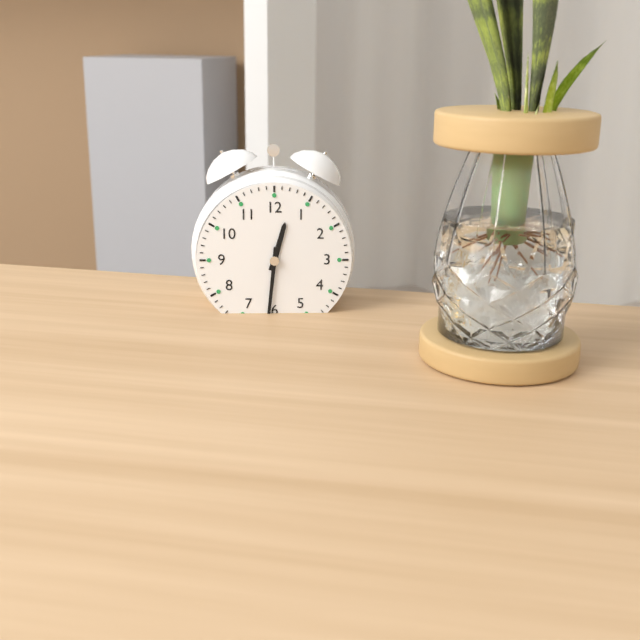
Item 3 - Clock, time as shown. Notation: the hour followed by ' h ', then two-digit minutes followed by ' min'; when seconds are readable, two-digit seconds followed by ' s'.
12 h 31 min
